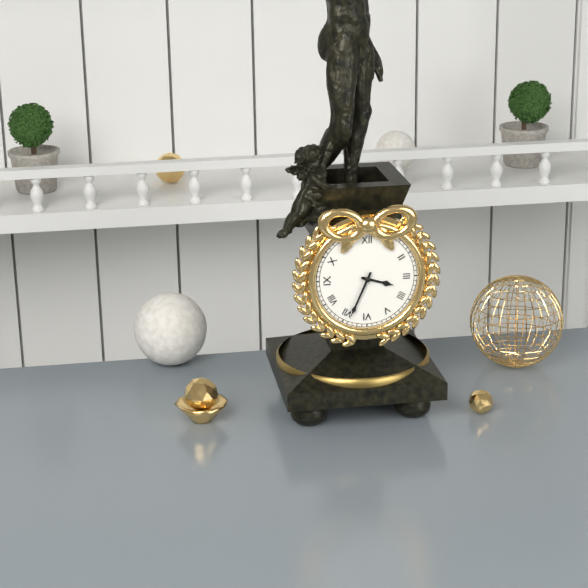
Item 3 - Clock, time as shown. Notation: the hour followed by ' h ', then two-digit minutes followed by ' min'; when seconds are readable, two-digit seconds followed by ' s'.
3 h 34 min
